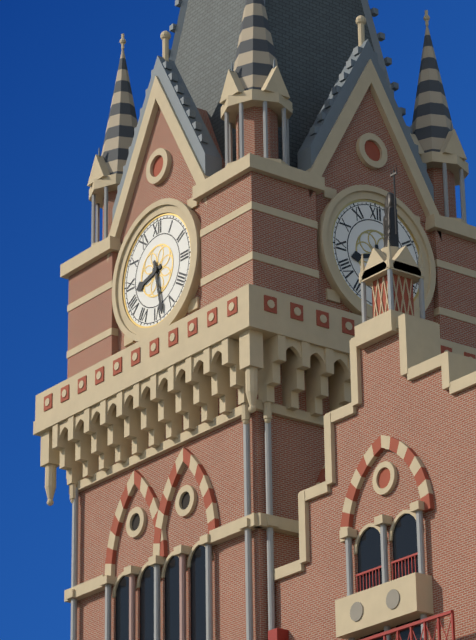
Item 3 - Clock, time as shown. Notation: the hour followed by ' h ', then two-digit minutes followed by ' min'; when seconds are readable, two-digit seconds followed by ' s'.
8 h 28 min
